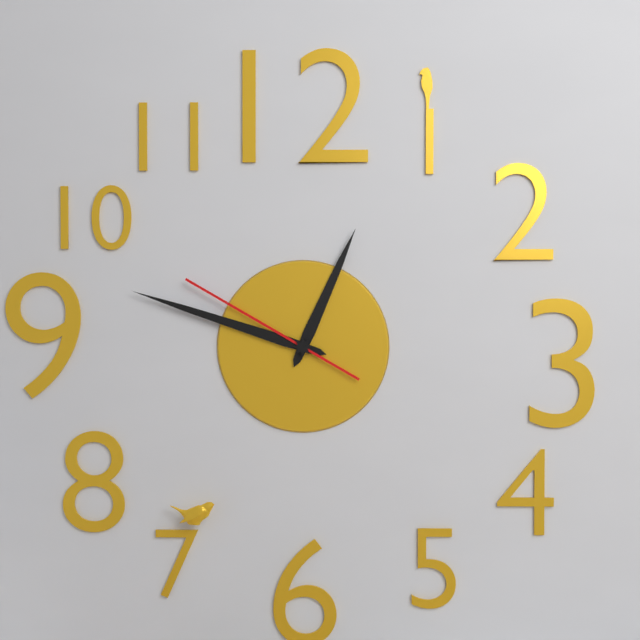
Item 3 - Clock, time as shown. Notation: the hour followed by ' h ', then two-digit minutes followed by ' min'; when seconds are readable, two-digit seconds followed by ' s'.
12 h 48 min 50 s
